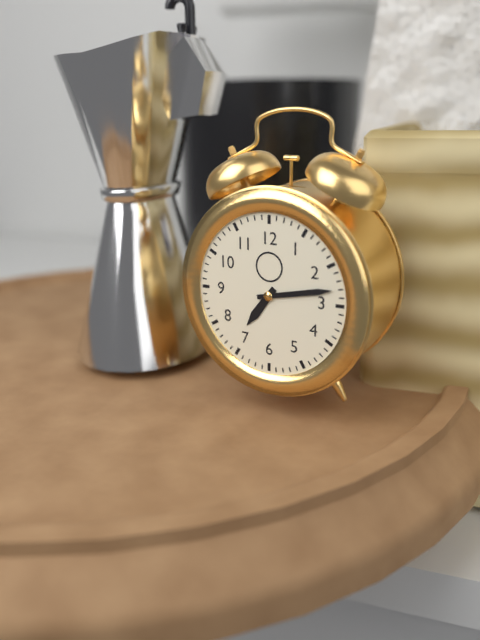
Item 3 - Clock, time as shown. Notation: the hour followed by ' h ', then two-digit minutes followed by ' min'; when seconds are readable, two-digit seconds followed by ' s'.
7 h 13 min
